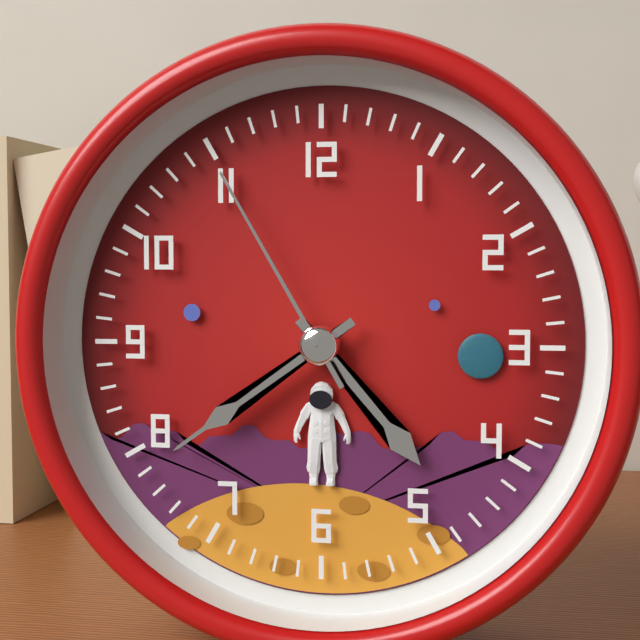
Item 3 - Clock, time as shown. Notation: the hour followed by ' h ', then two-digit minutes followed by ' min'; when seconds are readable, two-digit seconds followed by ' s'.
4 h 39 min 55 s
